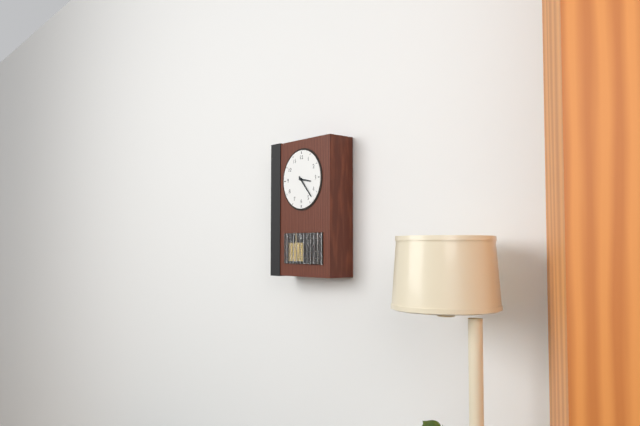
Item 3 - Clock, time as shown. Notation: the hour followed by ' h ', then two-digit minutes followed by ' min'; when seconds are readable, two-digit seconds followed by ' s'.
3 h 23 min
